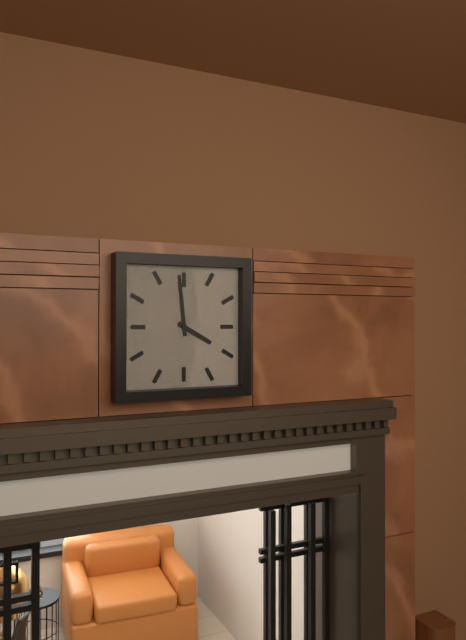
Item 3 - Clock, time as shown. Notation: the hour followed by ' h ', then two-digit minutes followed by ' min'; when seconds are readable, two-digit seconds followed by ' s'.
3 h 59 min
